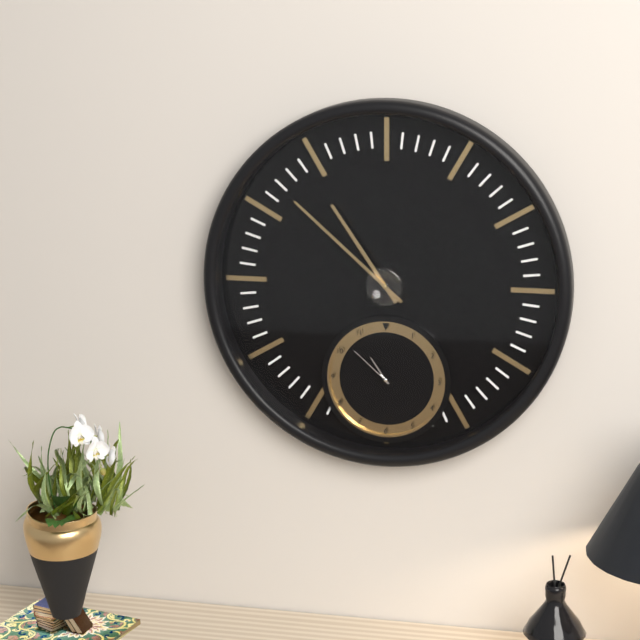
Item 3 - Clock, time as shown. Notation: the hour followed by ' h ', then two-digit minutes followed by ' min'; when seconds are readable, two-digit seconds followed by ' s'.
10 h 52 min
